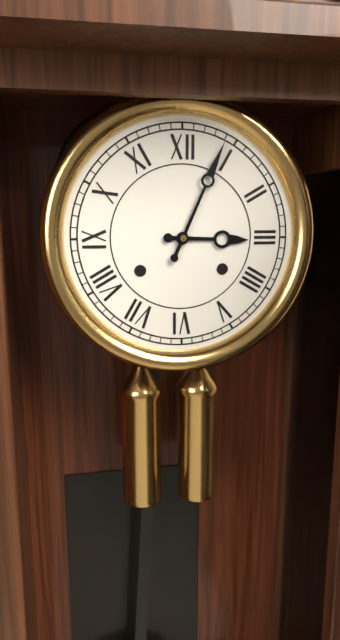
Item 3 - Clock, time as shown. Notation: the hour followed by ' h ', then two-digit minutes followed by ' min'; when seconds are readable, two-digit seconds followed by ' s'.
3 h 04 min
